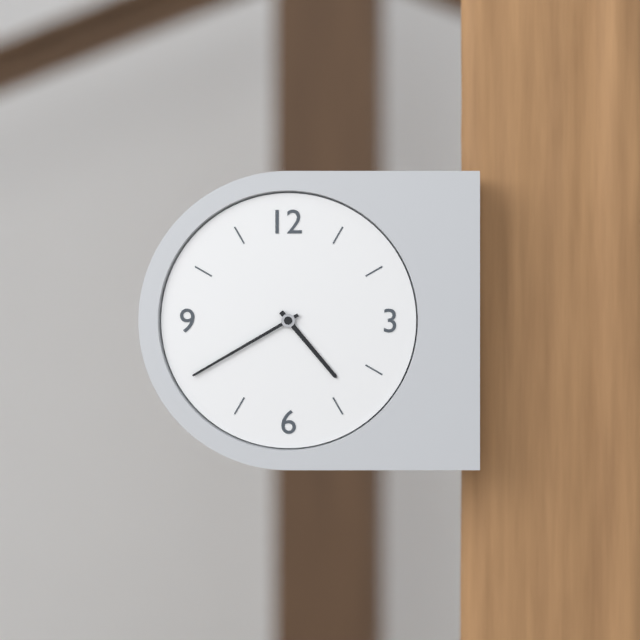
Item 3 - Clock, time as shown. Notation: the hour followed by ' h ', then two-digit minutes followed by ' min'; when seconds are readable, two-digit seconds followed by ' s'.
4 h 40 min
